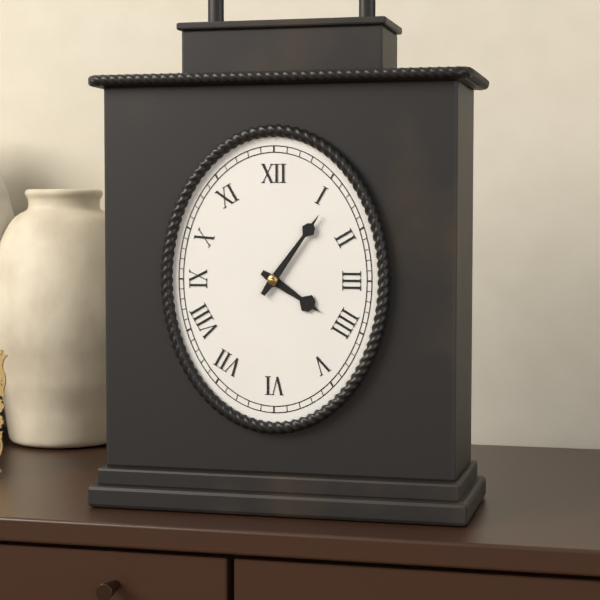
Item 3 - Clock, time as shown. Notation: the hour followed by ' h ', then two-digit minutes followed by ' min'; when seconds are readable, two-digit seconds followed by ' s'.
4 h 06 min
